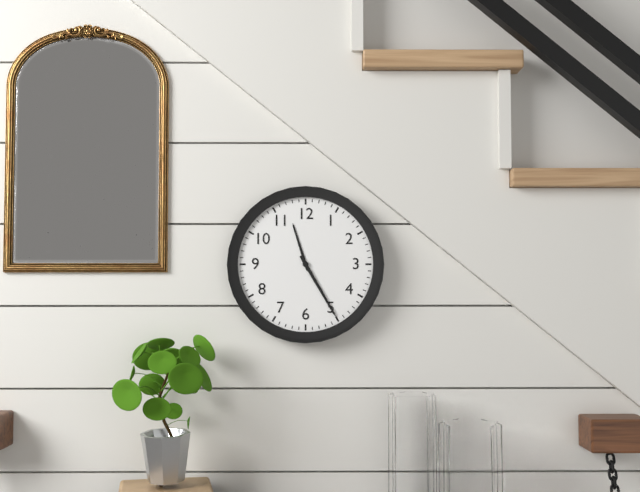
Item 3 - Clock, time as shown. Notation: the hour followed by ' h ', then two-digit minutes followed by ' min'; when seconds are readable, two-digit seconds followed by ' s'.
11 h 25 min
